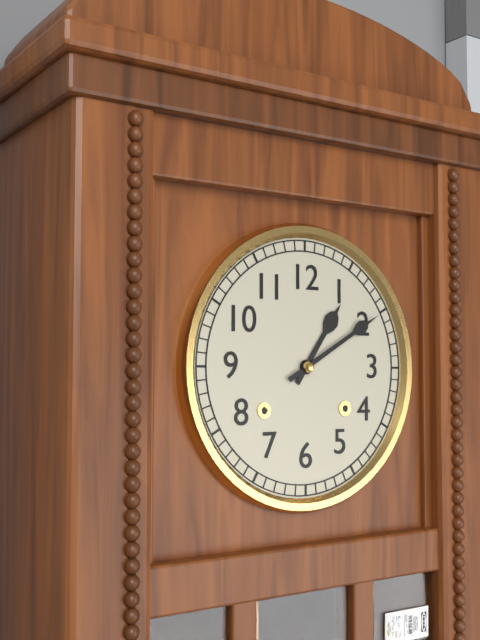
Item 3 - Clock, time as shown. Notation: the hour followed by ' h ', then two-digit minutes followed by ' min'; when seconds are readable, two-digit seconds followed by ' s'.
1 h 10 min
